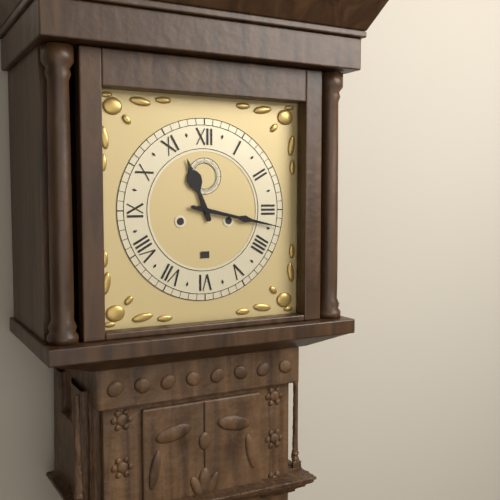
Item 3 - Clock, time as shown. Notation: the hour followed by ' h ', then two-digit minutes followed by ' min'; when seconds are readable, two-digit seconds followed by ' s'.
11 h 17 min
